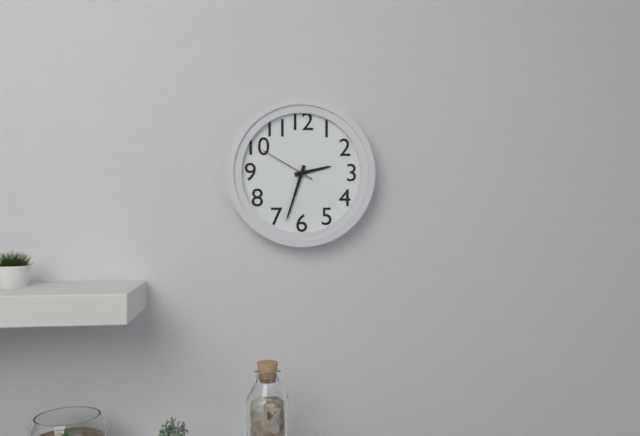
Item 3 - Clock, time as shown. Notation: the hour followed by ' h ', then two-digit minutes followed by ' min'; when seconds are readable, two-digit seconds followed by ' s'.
2 h 33 min 50 s
